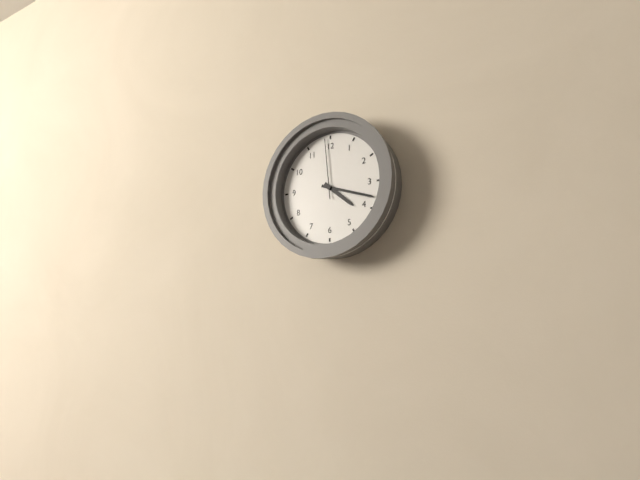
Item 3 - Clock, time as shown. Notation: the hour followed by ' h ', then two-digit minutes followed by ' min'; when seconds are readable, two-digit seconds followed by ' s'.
4 h 18 min 59 s
